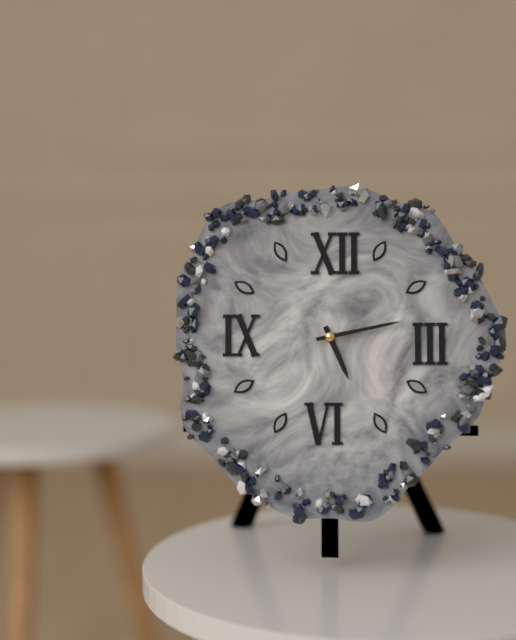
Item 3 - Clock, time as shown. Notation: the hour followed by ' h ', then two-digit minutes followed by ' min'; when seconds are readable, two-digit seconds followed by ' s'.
5 h 13 min
